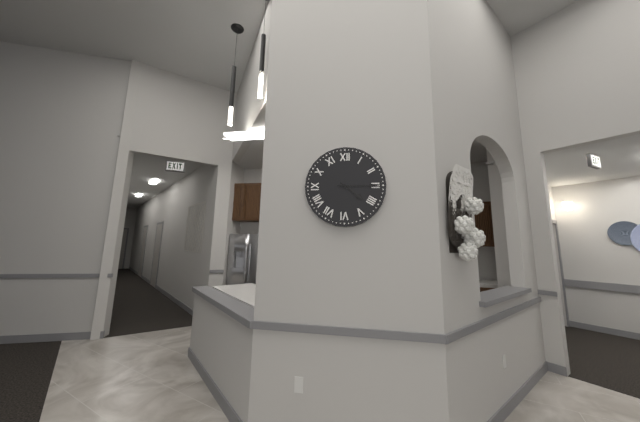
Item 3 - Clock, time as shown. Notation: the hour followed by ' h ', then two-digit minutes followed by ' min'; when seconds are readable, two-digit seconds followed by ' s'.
4 h 15 min
